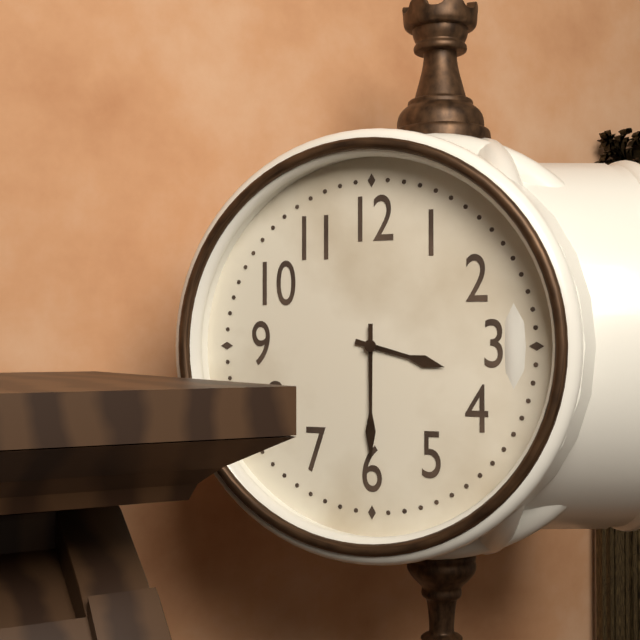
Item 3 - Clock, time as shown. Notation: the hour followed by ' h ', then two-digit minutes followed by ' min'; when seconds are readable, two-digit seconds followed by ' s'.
3 h 30 min
